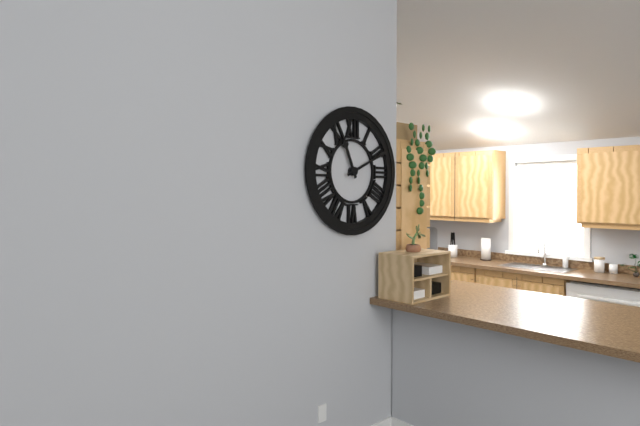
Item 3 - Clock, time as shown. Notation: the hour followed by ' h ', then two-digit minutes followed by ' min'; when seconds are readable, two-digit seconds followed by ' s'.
11 h 11 min
